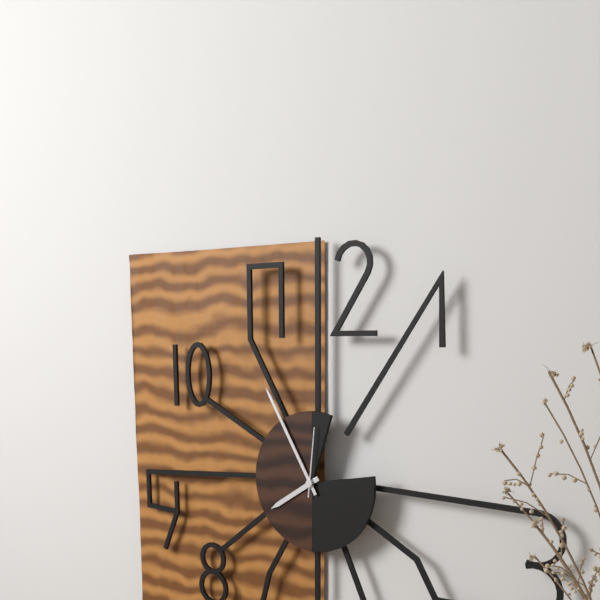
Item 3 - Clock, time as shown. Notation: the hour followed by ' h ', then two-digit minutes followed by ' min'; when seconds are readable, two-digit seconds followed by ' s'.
7 h 55 min 01 s
